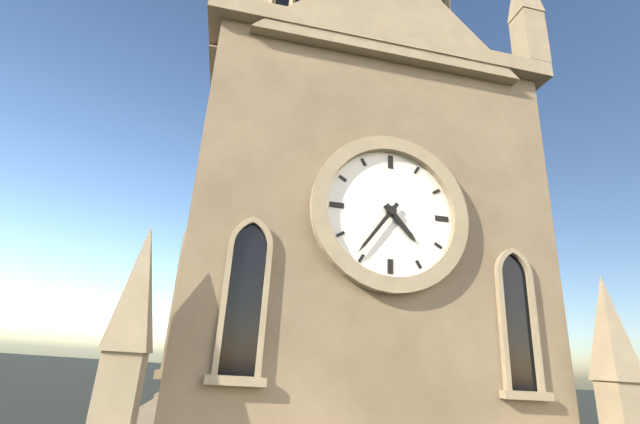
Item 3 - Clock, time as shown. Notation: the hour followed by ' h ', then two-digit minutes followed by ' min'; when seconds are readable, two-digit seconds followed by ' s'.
4 h 36 min
